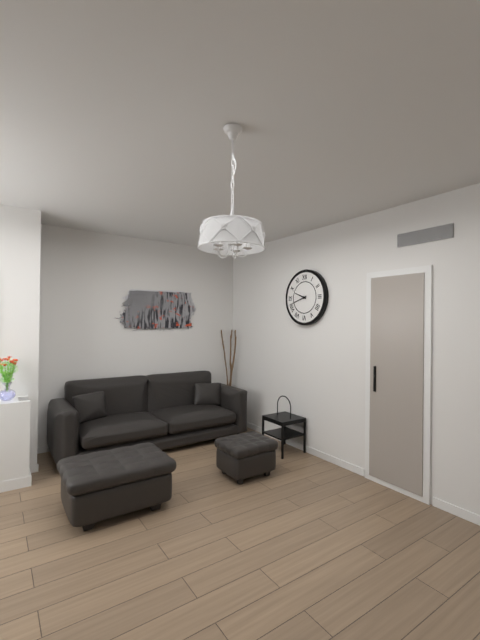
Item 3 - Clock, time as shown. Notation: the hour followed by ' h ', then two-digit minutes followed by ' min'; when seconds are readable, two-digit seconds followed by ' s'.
9 h 42 min
